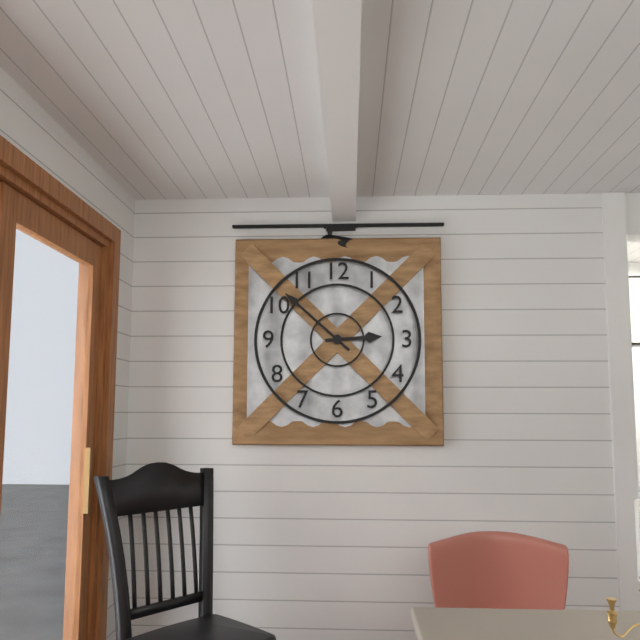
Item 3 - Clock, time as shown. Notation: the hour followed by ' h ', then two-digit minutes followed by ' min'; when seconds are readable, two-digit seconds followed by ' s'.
2 h 52 min
